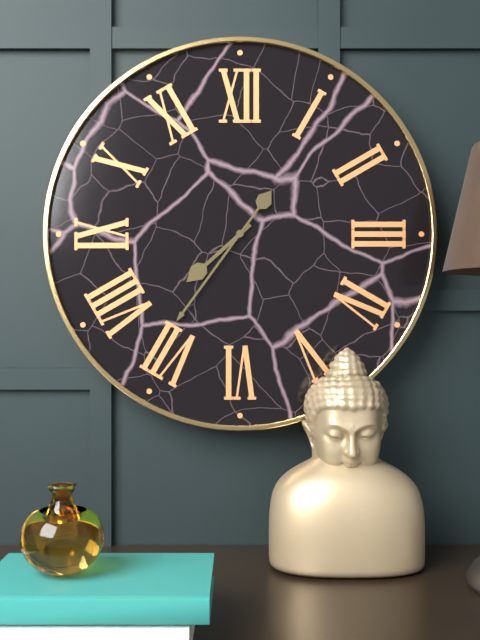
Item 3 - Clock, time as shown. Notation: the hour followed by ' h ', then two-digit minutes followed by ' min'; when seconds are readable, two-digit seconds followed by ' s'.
7 h 36 min
